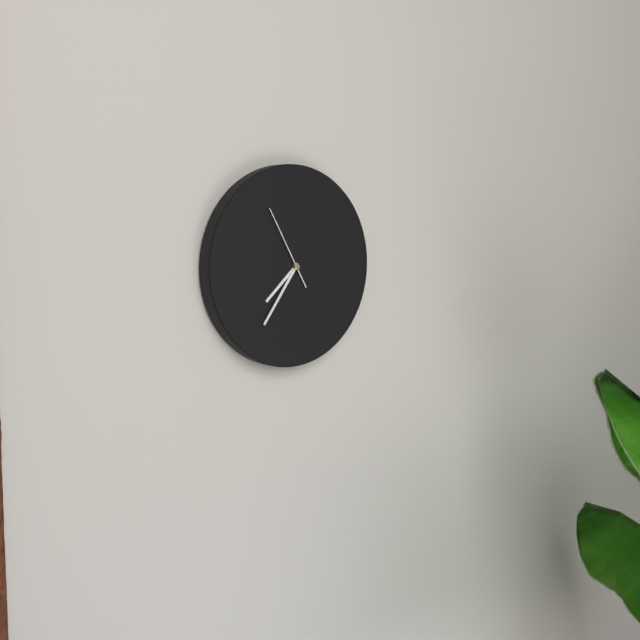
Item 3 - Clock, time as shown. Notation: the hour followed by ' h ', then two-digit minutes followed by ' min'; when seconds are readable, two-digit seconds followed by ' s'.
7 h 36 min 55 s
